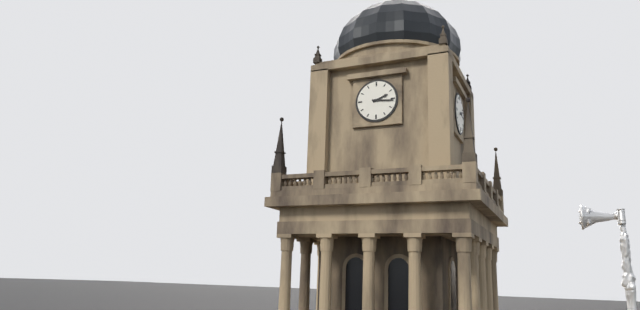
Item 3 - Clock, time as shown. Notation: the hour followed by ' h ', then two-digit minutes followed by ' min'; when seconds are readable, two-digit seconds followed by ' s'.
2 h 16 min
